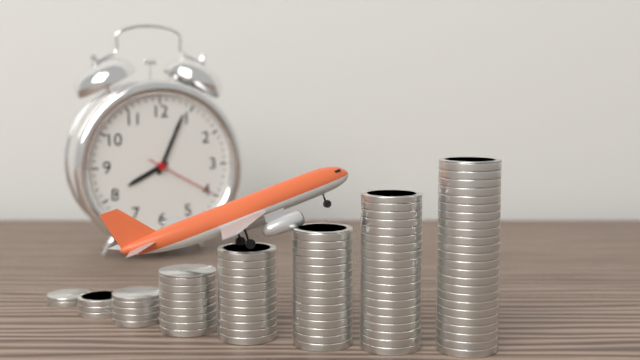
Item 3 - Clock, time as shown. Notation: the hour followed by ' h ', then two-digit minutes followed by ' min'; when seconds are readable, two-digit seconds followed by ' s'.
8 h 04 min 20 s
